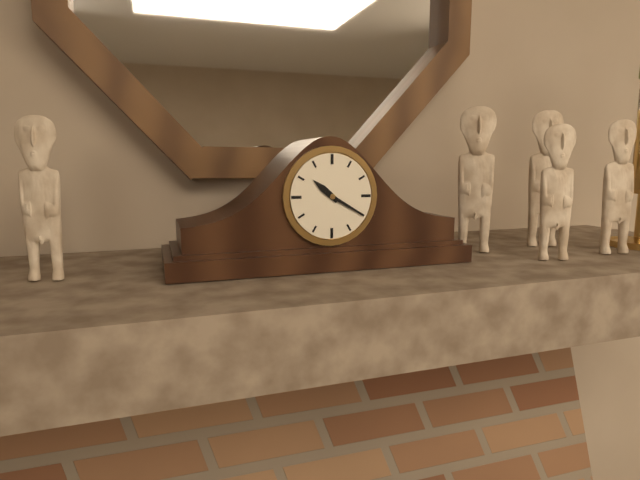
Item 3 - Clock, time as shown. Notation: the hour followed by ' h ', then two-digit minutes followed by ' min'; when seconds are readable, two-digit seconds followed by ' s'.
10 h 20 min
